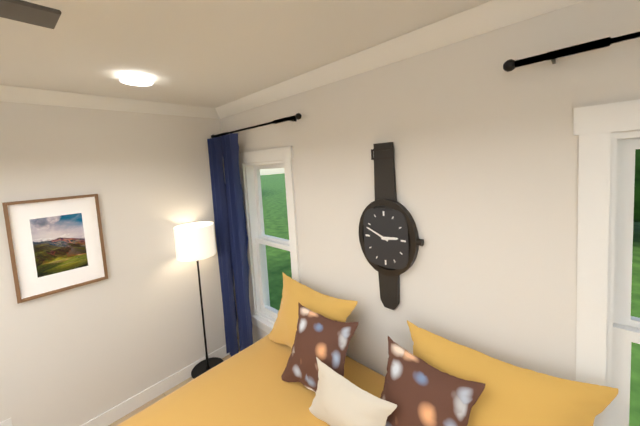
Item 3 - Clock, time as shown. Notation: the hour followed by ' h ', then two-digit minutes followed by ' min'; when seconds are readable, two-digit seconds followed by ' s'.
2 h 49 min
